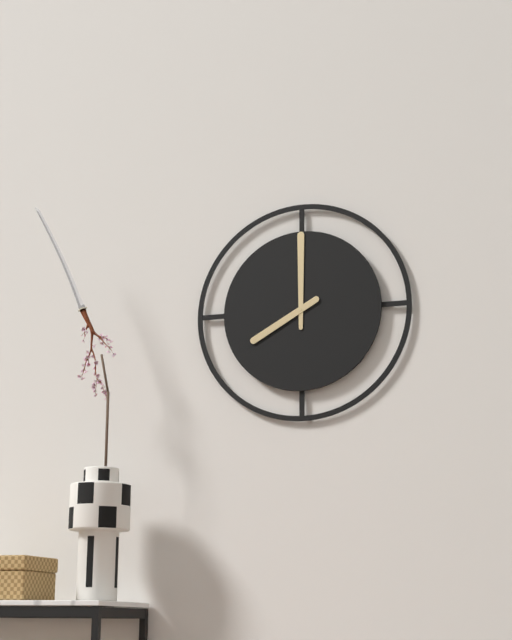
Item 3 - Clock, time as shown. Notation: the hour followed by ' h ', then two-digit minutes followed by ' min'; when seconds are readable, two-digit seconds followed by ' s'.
8 h 00 min
